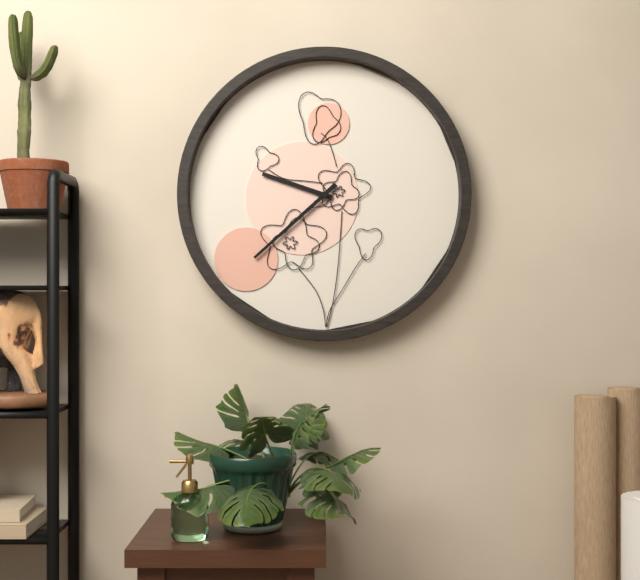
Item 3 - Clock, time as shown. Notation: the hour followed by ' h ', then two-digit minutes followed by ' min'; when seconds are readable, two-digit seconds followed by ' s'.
9 h 38 min
